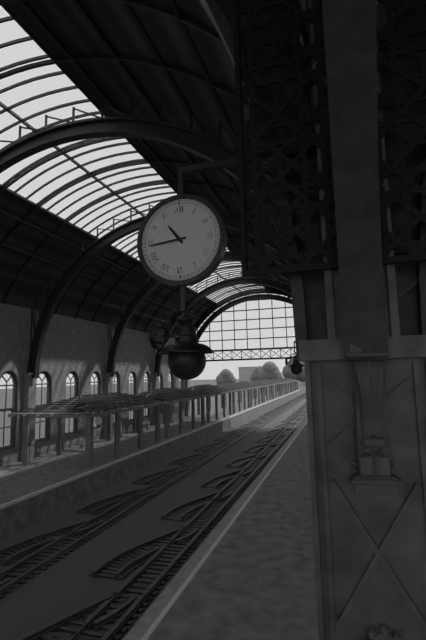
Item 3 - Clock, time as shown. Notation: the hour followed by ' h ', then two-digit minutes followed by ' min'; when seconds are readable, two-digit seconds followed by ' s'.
10 h 44 min
